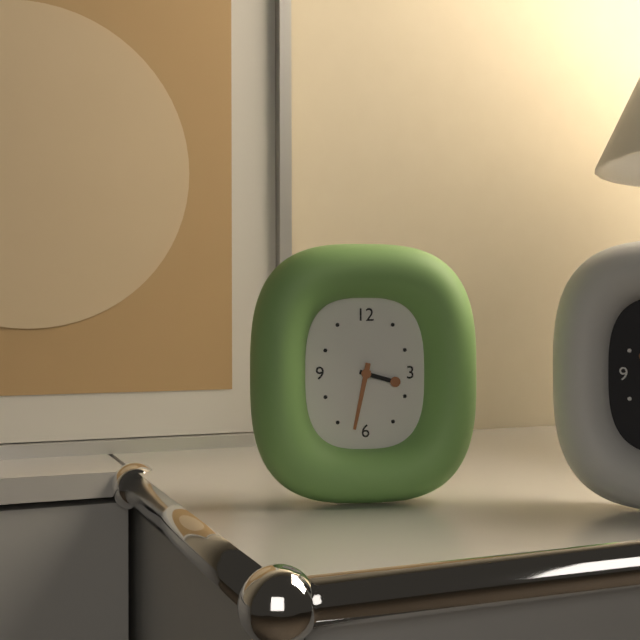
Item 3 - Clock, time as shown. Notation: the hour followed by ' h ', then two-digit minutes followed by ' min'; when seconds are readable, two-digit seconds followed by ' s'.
3 h 32 min
